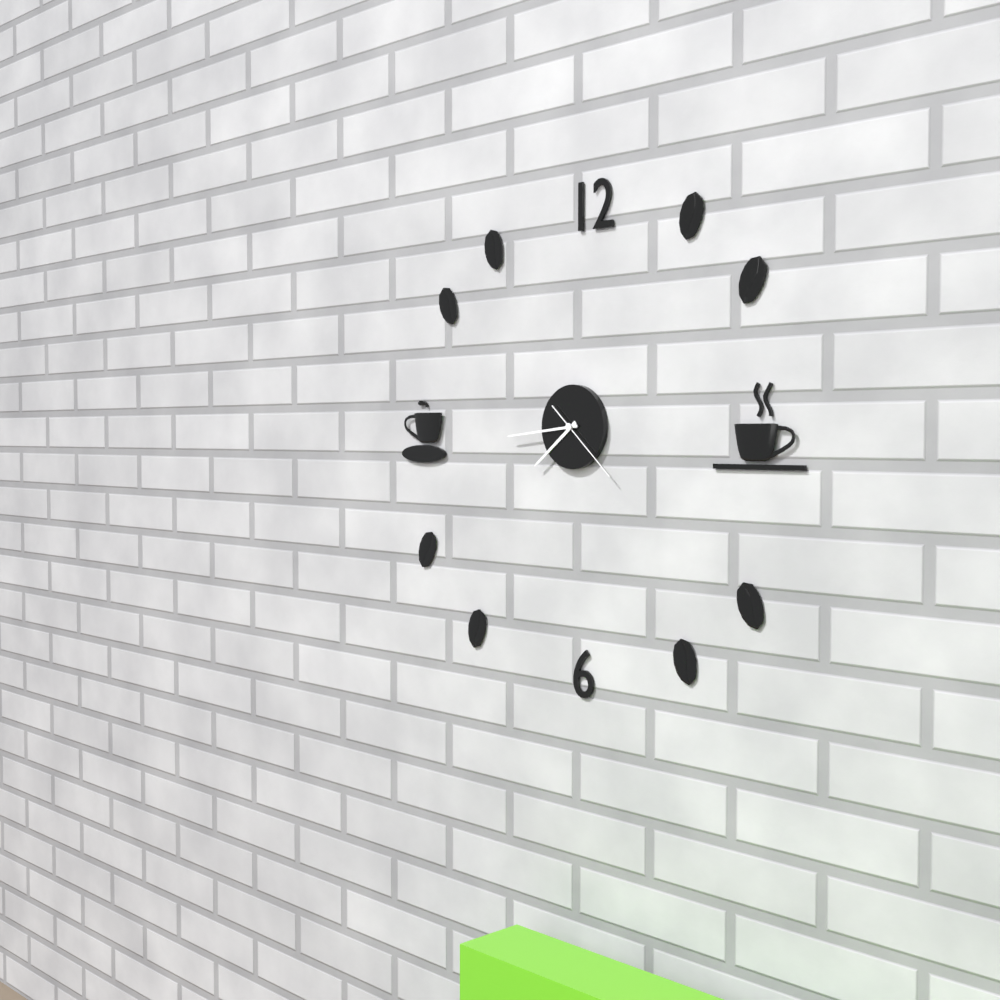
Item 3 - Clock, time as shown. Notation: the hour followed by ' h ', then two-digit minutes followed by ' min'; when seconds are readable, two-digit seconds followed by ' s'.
7 h 44 min 22 s
